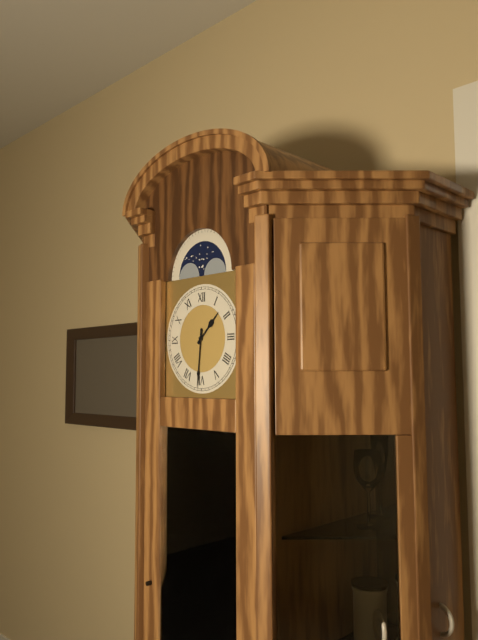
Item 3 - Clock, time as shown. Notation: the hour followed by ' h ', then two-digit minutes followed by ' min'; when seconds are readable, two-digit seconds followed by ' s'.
1 h 31 min
